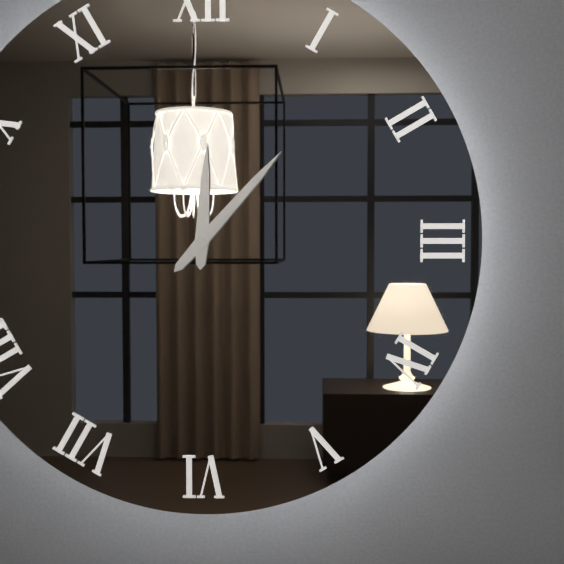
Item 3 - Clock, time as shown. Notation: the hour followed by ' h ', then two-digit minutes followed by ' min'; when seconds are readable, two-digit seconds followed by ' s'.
12 h 07 min
